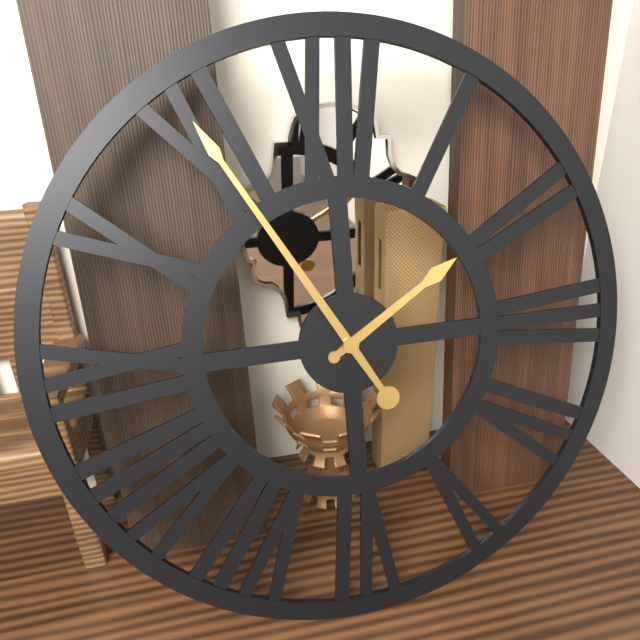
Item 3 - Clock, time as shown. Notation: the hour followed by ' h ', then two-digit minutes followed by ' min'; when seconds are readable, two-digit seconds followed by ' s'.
1 h 55 min
